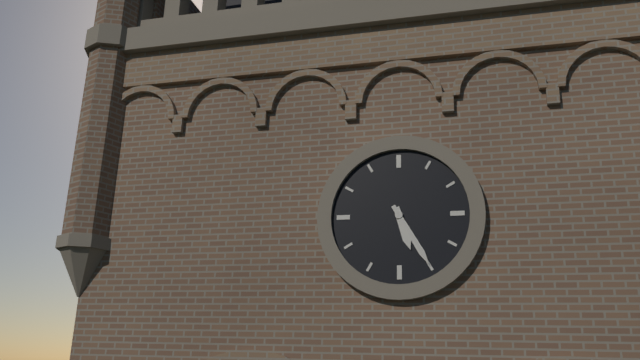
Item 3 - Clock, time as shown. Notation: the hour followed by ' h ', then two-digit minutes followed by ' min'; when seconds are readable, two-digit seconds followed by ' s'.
5 h 25 min
